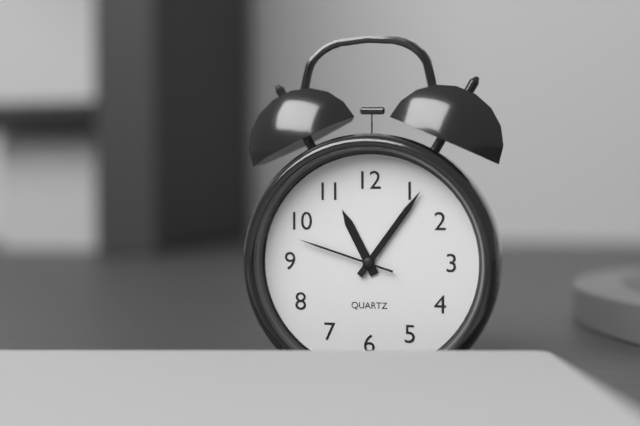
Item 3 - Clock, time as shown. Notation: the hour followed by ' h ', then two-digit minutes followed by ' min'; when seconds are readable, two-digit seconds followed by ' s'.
11 h 06 min 48 s
